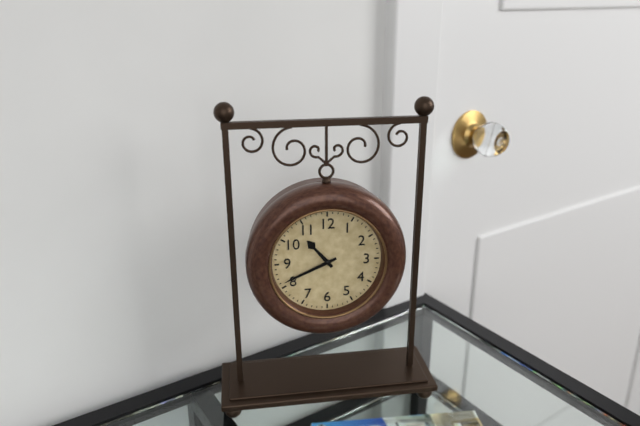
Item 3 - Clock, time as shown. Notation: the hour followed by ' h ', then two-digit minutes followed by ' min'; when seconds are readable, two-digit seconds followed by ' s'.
10 h 41 min
